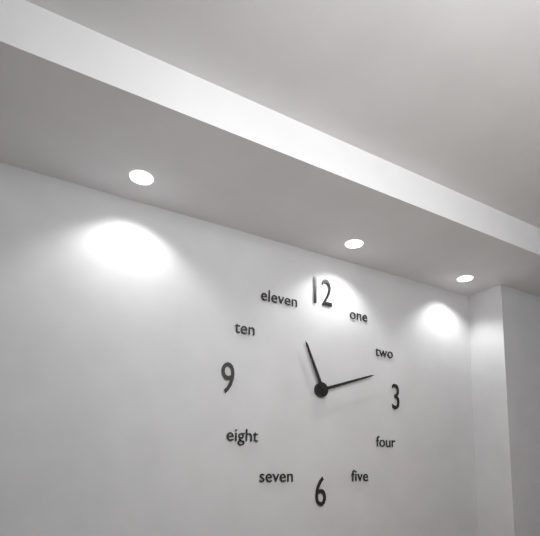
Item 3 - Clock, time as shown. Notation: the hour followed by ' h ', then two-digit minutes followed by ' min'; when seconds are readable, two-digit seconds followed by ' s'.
11 h 12 min
